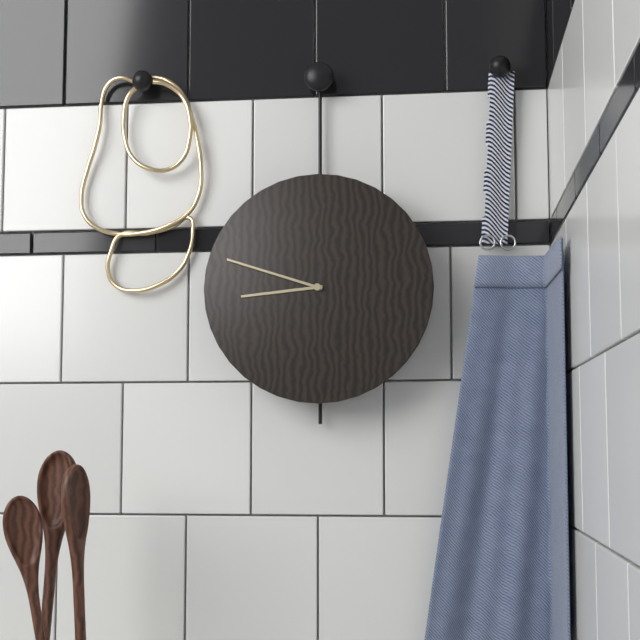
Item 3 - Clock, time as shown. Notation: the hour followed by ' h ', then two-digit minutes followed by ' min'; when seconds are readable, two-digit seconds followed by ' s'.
8 h 48 min
